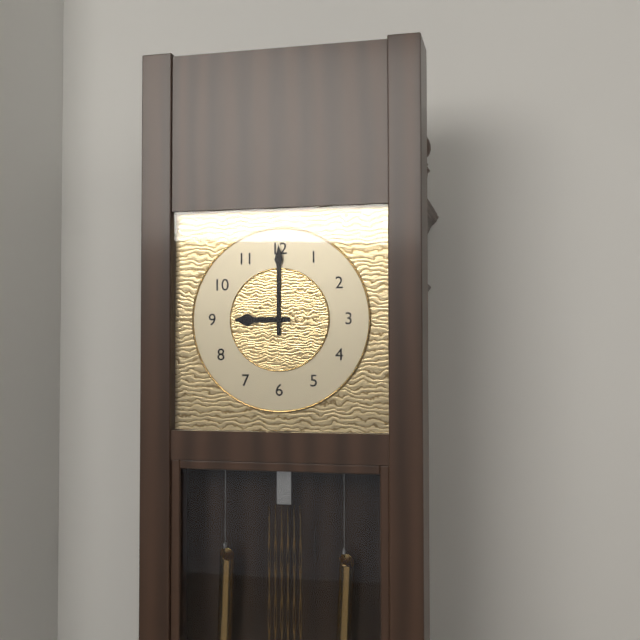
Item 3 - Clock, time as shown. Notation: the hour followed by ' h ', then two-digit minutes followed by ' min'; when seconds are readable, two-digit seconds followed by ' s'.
9 h 00 min
